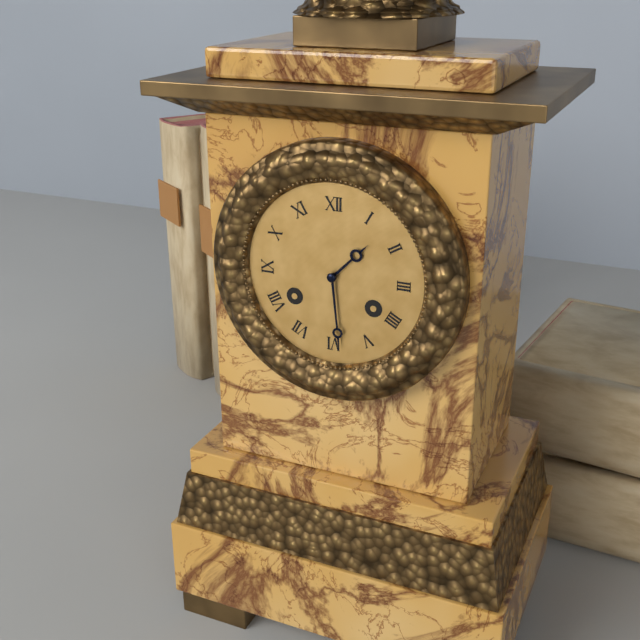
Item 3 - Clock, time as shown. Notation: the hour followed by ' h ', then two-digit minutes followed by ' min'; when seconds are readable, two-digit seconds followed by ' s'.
1 h 29 min
